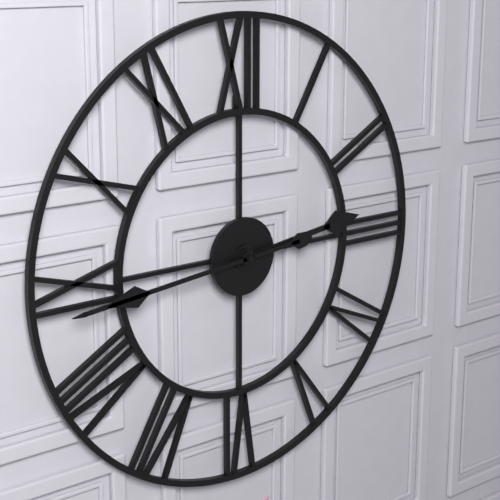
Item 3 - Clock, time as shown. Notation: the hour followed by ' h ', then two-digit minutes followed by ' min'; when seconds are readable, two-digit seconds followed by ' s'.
2 h 44 min
